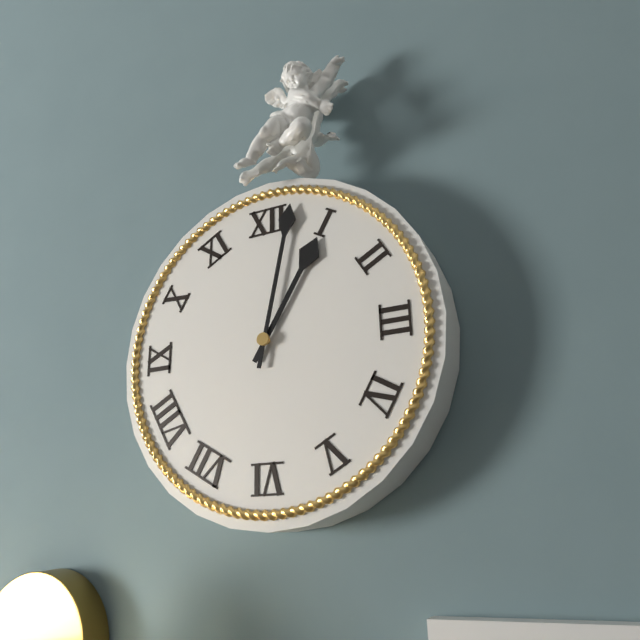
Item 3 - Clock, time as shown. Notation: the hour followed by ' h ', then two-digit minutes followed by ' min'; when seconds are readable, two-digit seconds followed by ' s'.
1 h 02 min
